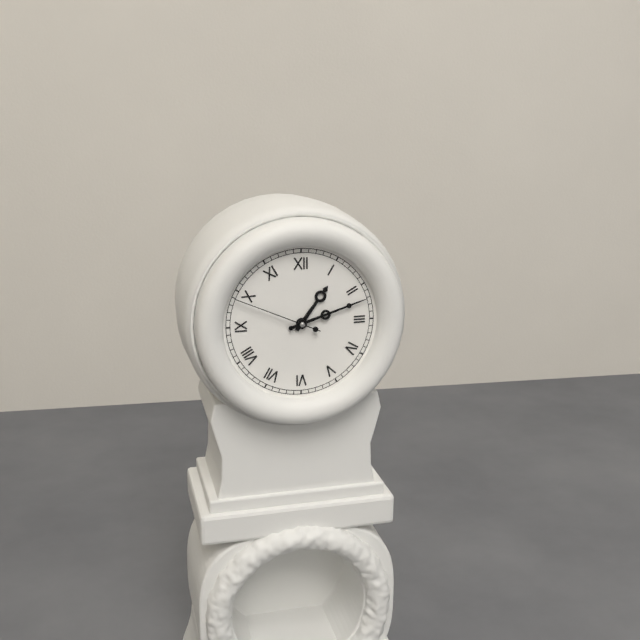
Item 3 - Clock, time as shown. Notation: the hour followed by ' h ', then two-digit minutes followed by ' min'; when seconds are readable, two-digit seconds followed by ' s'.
1 h 12 min 49 s
